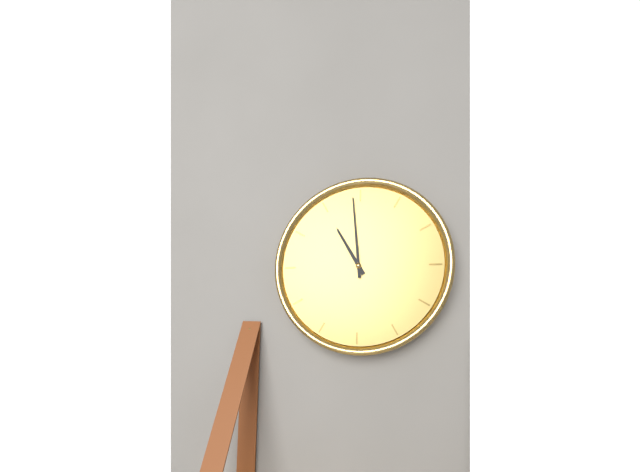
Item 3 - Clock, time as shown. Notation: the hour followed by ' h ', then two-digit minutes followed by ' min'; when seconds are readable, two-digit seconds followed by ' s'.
10 h 59 min
